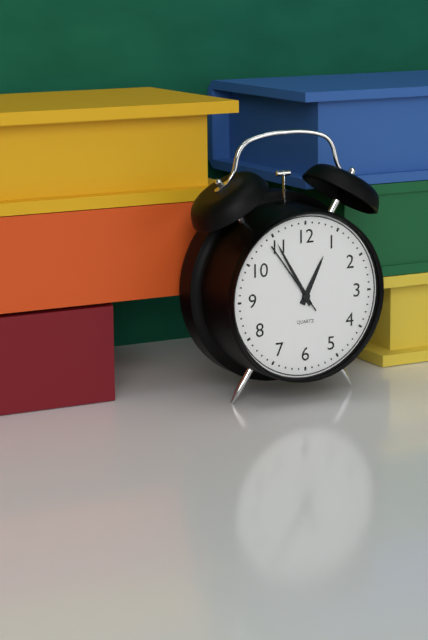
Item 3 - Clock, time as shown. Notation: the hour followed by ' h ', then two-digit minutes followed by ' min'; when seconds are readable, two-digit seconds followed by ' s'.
12 h 55 min 54 s
